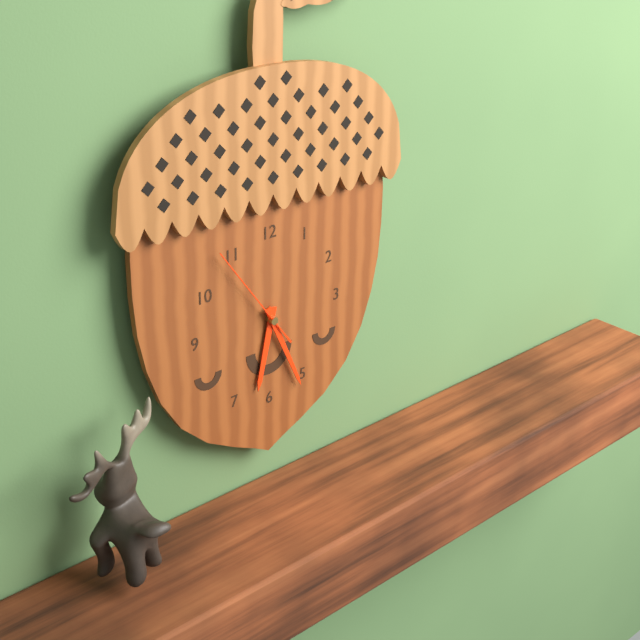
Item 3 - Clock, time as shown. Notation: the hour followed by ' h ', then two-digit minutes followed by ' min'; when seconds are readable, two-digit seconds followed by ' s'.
6 h 26 min 54 s
